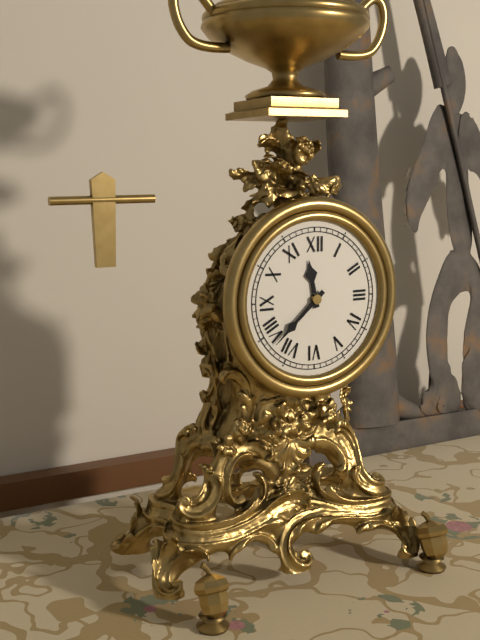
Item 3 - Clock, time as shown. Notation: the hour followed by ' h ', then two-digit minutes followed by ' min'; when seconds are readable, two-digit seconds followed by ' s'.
11 h 38 min
